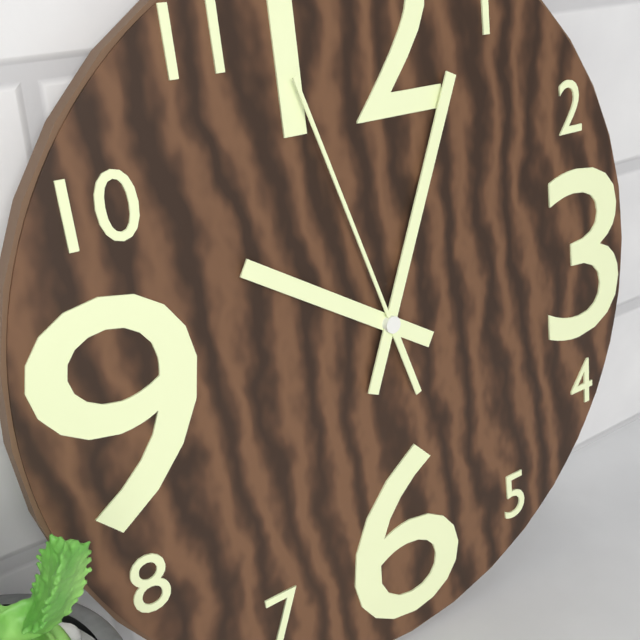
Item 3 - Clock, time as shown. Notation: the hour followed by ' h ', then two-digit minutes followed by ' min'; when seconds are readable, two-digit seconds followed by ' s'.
10 h 04 min 57 s
